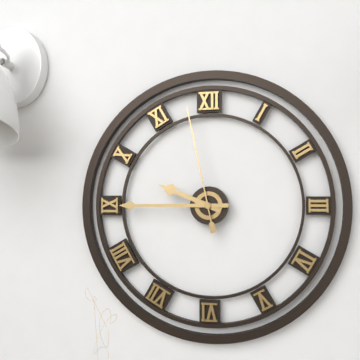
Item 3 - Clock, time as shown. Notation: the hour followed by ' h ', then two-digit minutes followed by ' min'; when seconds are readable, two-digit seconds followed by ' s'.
9 h 45 min 58 s
